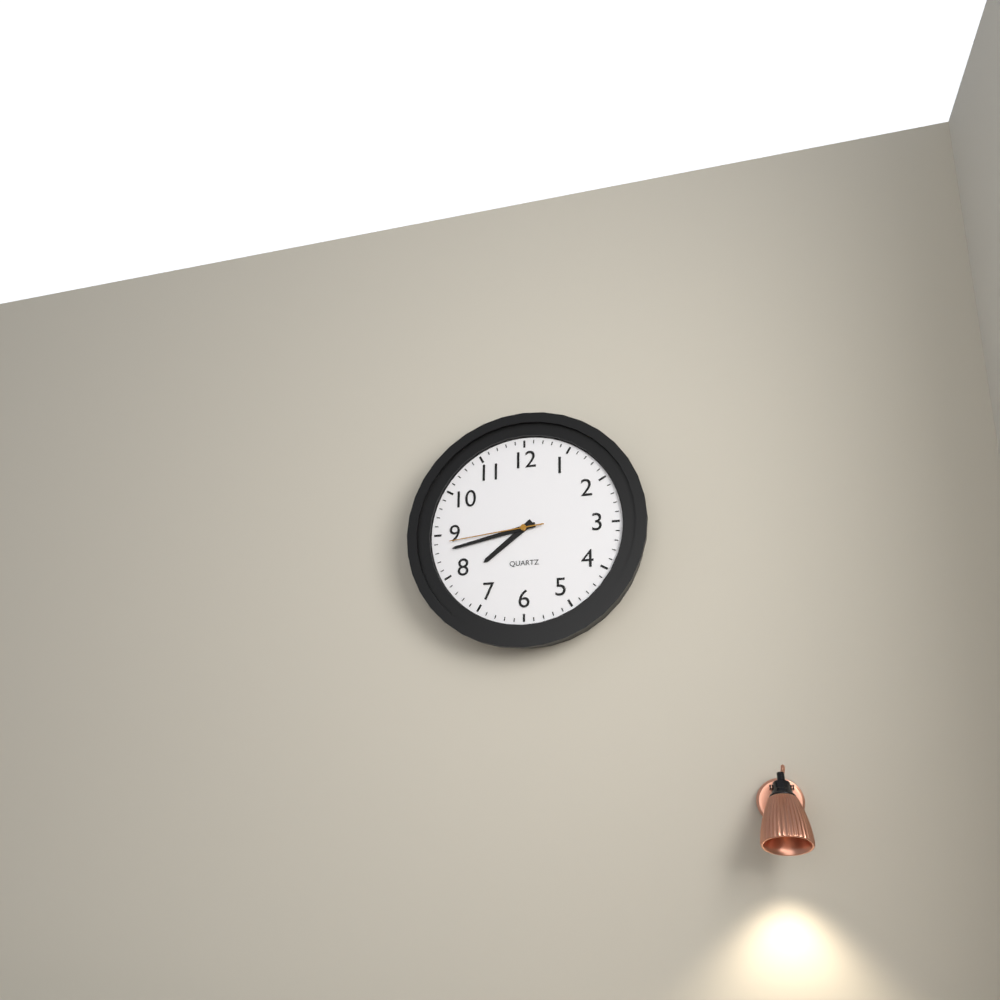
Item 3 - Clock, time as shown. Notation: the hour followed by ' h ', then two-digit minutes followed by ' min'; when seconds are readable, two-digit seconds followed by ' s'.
7 h 43 min 44 s
